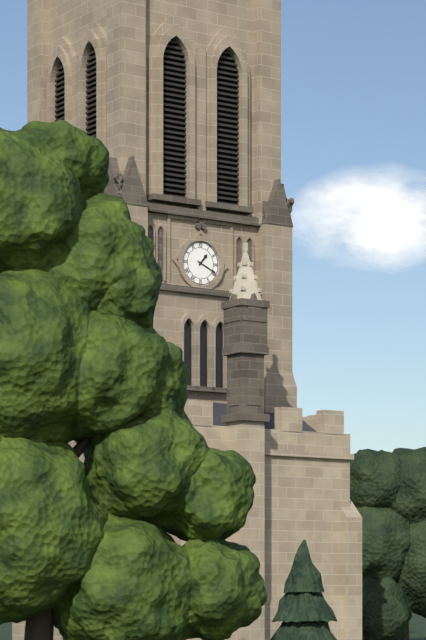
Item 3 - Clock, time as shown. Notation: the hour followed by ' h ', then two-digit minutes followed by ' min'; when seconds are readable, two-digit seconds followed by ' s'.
1 h 19 min
